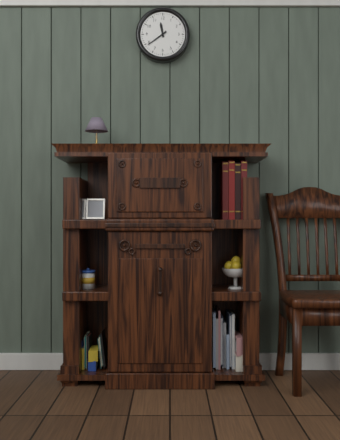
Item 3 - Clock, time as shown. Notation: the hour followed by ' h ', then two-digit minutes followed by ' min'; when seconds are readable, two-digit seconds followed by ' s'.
11 h 39 min
